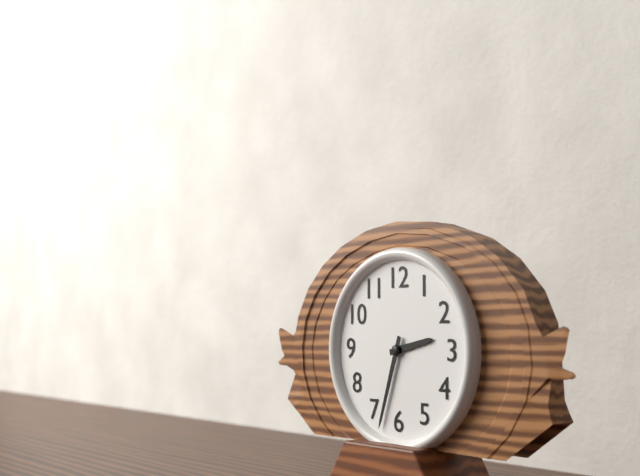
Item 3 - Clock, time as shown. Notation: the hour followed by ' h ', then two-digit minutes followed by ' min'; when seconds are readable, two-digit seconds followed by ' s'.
2 h 33 min
